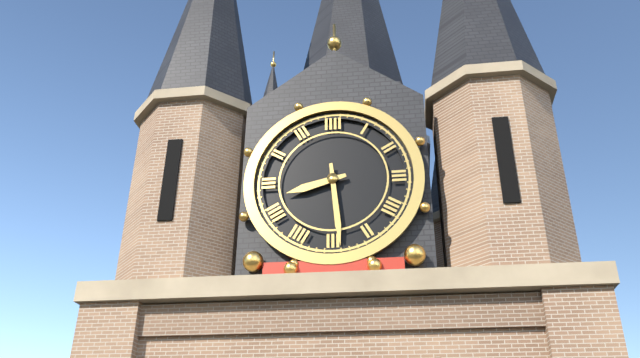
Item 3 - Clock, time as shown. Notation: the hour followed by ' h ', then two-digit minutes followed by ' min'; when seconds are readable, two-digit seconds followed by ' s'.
8 h 29 min
